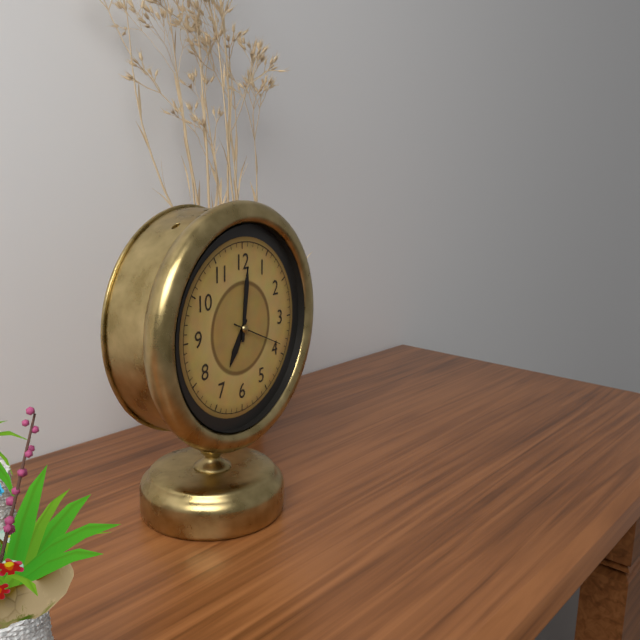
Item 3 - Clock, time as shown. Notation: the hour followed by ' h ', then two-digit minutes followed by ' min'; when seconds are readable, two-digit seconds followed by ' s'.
7 h 01 min
